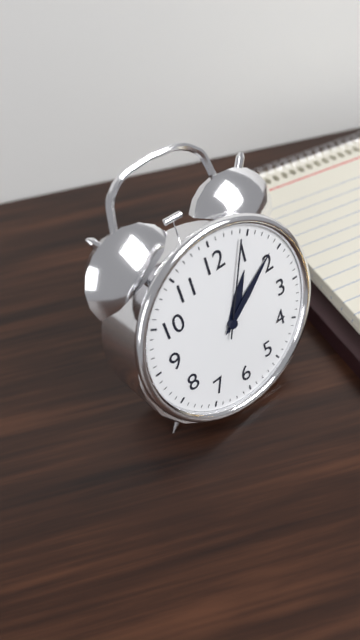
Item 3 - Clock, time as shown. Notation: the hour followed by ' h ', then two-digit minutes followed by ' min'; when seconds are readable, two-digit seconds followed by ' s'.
1 h 09 min 04 s
